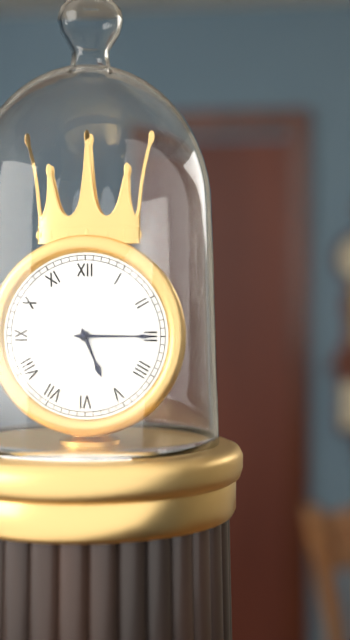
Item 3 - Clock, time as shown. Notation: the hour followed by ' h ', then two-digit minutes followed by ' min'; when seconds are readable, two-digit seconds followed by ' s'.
5 h 15 min
